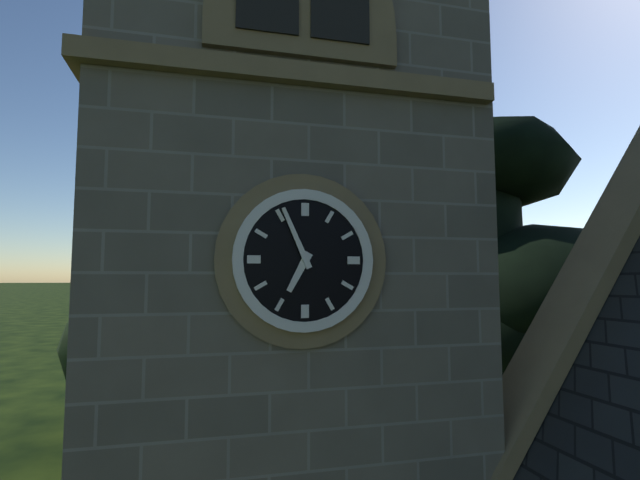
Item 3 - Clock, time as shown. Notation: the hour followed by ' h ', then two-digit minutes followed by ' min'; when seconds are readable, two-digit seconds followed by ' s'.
6 h 56 min
